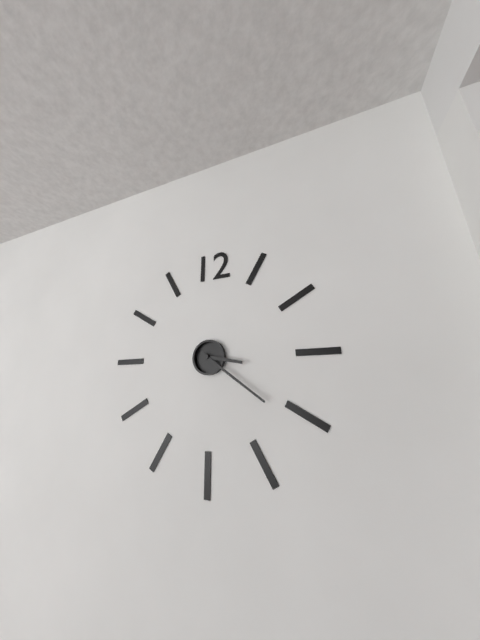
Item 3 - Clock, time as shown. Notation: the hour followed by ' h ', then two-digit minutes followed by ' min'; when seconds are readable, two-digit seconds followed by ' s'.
3 h 21 min
